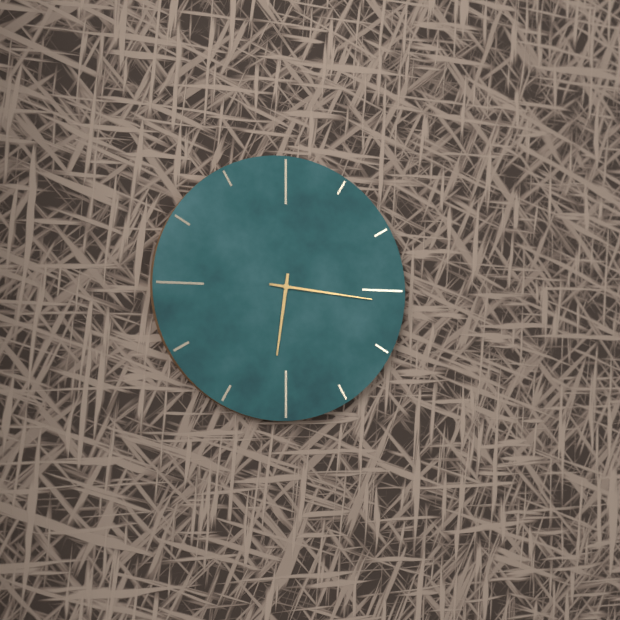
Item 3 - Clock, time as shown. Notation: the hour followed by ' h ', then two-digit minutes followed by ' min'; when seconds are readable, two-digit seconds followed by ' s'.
6 h 16 min
